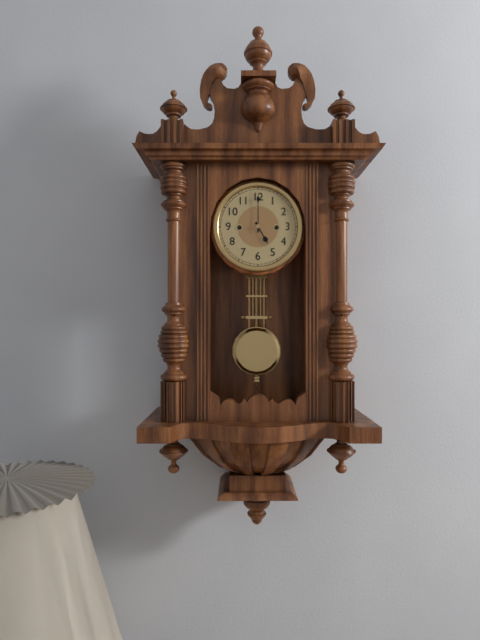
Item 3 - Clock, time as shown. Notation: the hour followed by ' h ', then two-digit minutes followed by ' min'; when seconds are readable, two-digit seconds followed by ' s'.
5 h 00 min
